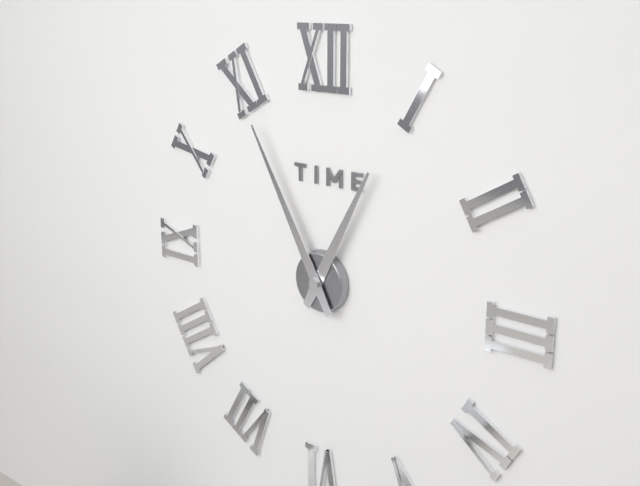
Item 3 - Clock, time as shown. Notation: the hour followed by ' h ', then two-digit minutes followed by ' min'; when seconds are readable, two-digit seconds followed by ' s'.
12 h 55 min
